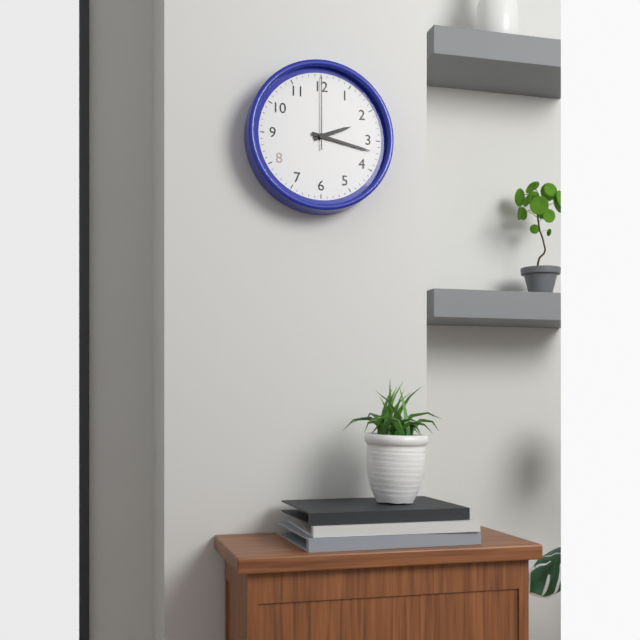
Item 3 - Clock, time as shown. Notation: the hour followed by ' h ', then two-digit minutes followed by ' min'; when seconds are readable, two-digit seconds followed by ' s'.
2 h 17 min 00 s
